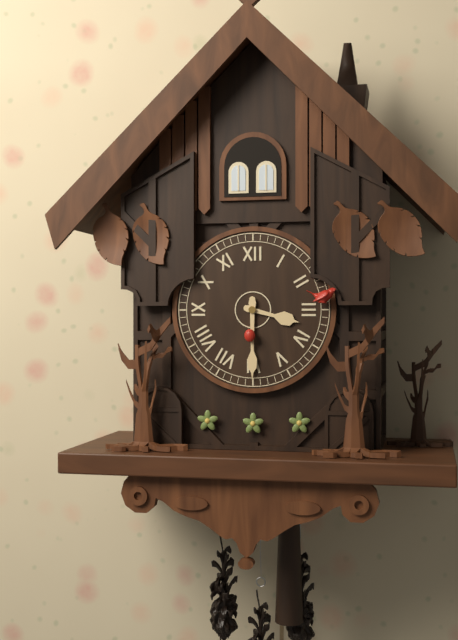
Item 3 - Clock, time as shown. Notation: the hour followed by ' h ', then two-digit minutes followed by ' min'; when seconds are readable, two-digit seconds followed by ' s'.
3 h 30 min
